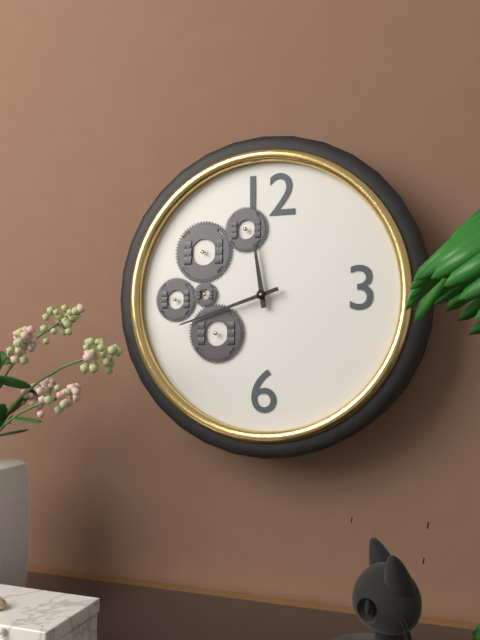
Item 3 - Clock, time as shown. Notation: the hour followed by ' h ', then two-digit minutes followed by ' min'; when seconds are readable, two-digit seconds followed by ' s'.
11 h 42 min
